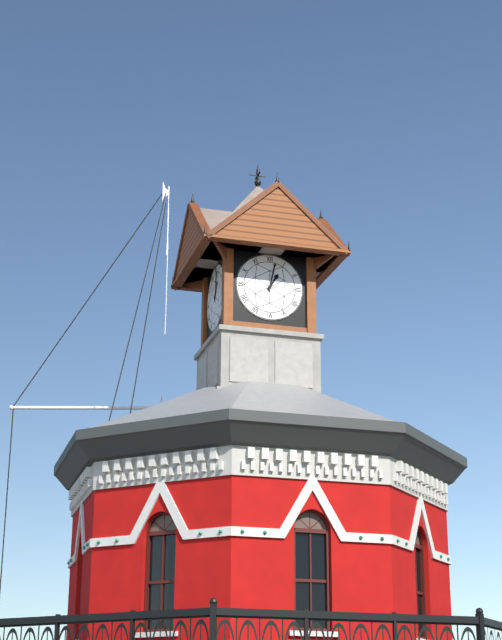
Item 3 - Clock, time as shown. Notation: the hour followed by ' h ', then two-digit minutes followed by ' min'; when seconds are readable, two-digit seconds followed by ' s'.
1 h 02 min
